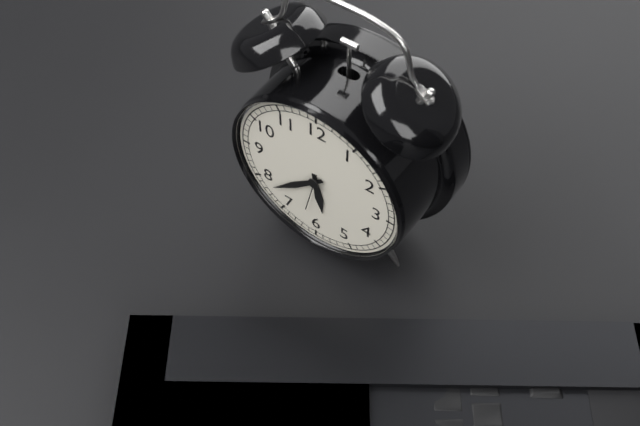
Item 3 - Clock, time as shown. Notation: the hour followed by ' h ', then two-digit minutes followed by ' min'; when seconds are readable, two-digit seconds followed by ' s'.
5 h 38 min
